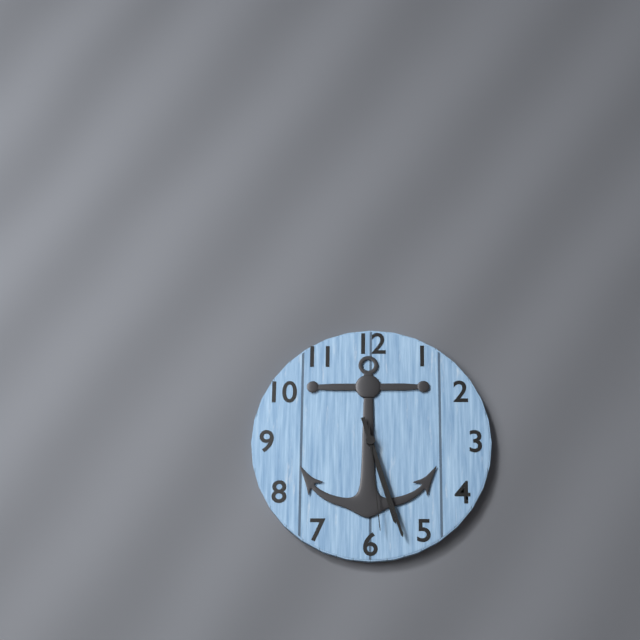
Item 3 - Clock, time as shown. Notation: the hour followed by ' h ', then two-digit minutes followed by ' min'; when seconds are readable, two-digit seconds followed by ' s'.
5 h 27 min 29 s
